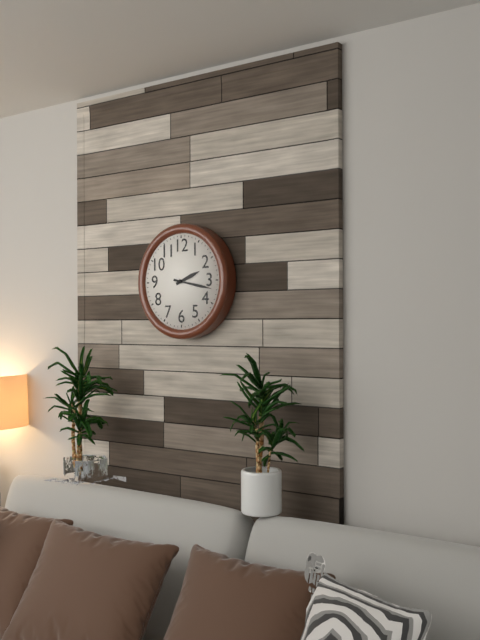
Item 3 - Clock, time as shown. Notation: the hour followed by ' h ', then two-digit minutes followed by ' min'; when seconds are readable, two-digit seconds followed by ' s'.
2 h 17 min
